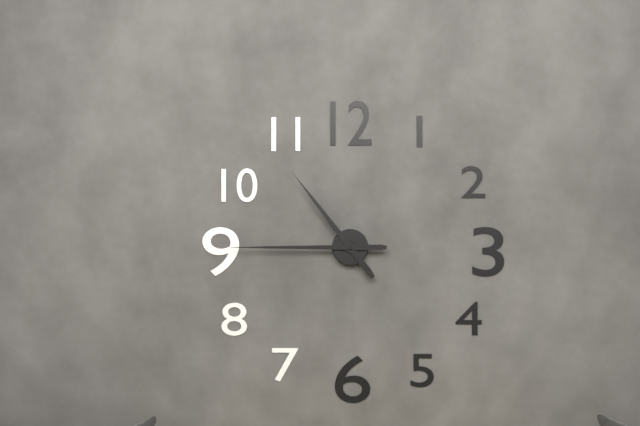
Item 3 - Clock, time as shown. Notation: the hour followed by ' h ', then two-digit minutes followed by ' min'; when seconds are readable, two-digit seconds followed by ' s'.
10 h 45 min
